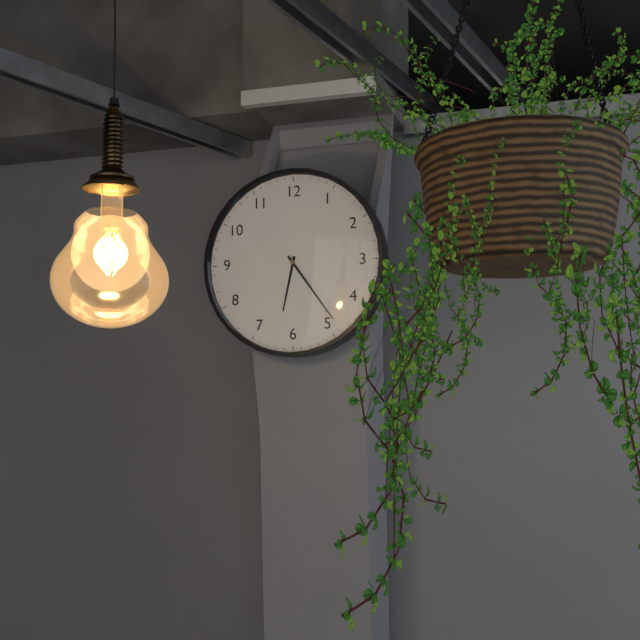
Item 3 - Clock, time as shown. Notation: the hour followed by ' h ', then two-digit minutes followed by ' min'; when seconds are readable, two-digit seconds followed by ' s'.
6 h 24 min
